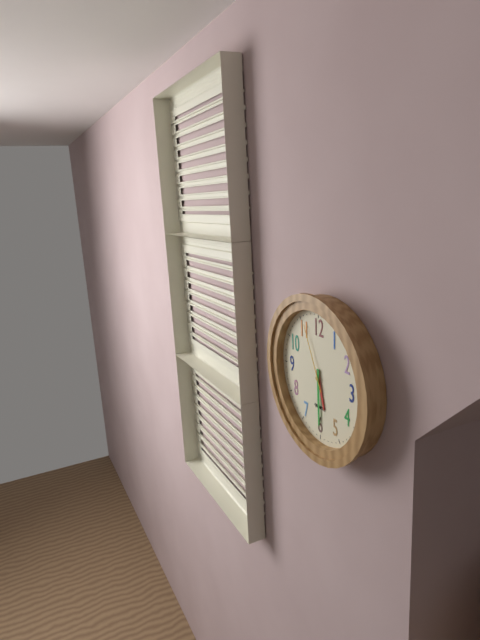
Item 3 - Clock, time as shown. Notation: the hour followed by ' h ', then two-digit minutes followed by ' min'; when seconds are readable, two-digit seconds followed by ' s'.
5 h 30 min 56 s
